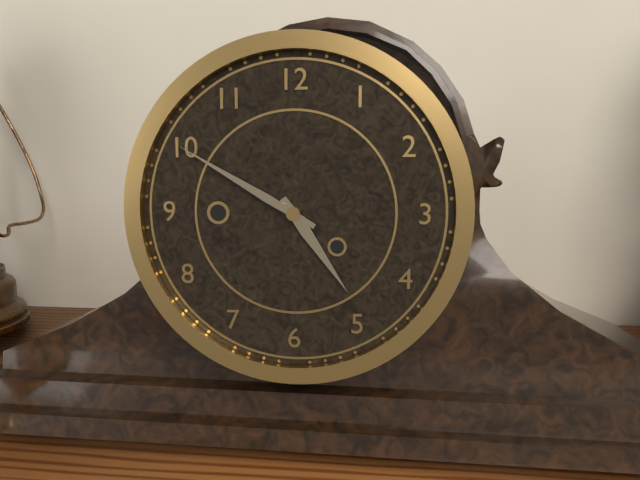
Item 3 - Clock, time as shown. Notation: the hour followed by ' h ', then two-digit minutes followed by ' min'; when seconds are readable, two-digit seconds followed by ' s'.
4 h 50 min
